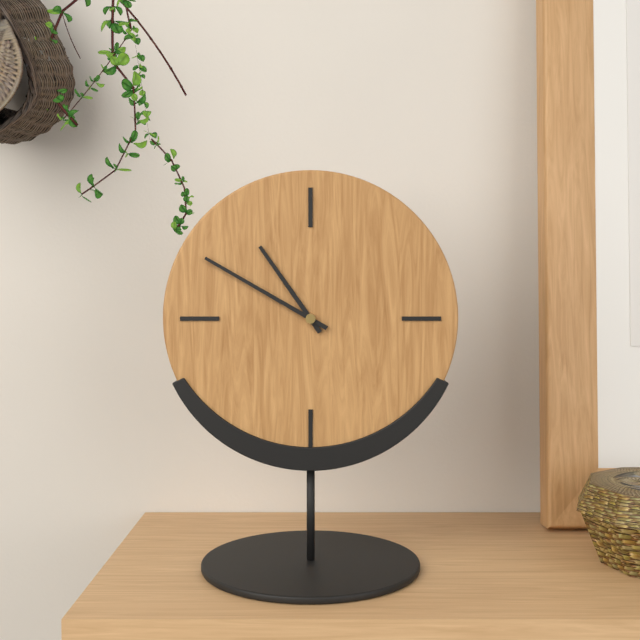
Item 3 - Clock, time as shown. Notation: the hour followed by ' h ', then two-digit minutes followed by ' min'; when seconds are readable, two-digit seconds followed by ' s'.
10 h 50 min
